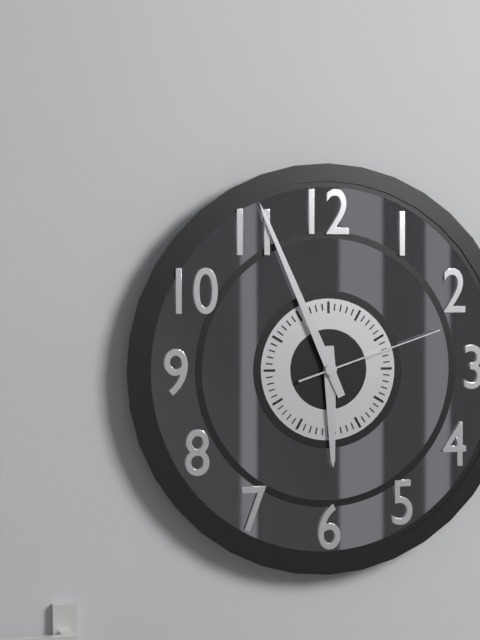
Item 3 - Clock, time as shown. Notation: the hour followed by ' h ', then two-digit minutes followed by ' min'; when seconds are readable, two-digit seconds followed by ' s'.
5 h 56 min 12 s
